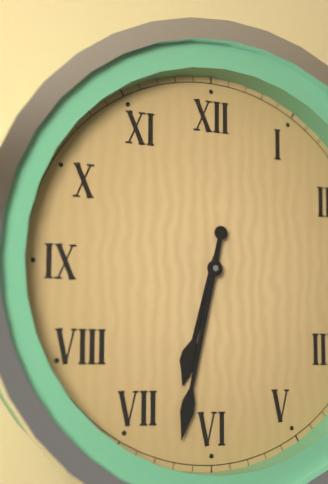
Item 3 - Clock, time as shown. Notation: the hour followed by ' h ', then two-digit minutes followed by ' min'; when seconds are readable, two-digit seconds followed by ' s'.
6 h 32 min
